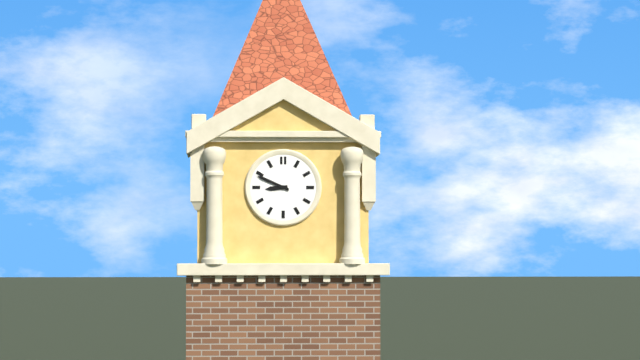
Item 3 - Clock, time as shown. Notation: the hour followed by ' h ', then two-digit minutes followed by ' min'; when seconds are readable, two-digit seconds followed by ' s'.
8 h 49 min
